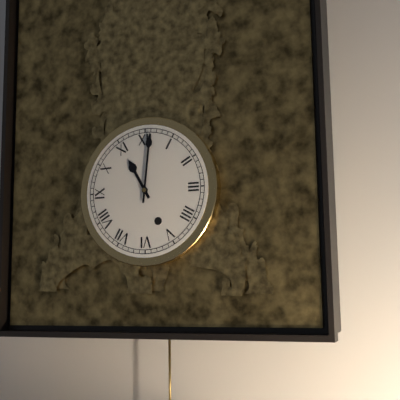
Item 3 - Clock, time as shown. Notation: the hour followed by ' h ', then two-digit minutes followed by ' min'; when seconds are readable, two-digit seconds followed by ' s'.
11 h 01 min
